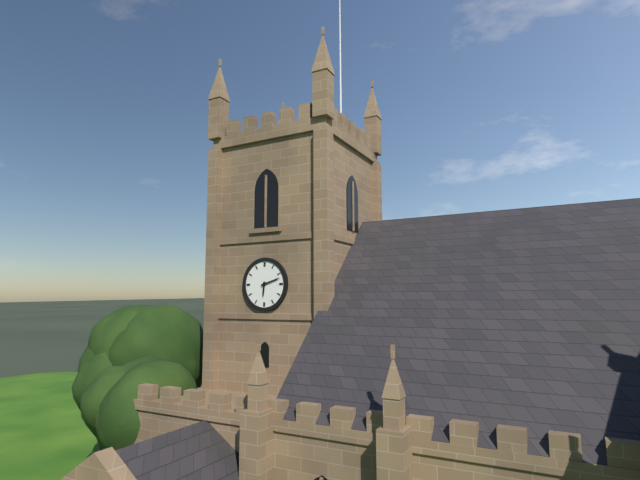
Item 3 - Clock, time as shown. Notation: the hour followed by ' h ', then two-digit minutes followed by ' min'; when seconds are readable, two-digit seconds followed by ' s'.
6 h 12 min
